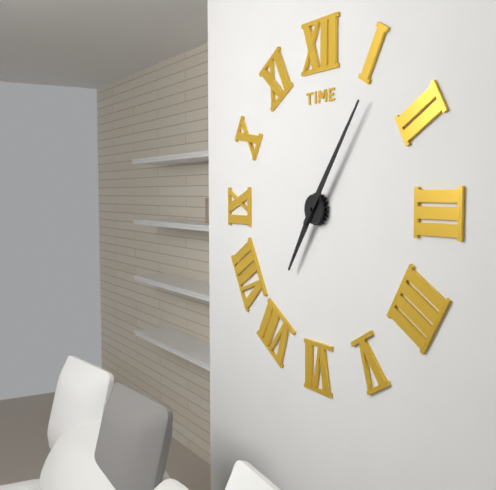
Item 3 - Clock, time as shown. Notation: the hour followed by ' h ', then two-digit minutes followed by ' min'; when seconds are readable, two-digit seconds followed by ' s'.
7 h 06 min
